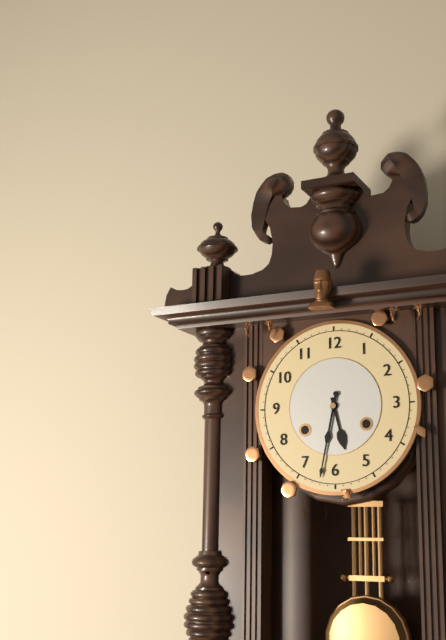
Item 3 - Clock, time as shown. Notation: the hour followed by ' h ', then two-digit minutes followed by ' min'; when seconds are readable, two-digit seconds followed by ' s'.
5 h 32 min
